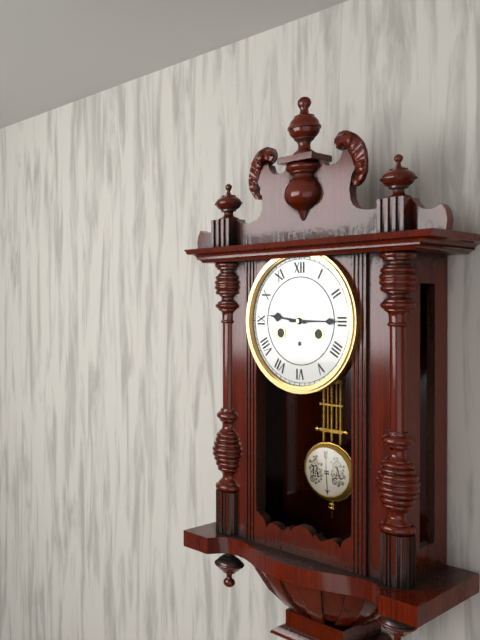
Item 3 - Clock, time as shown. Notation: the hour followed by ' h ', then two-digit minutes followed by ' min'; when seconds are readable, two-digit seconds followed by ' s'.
9 h 15 min
